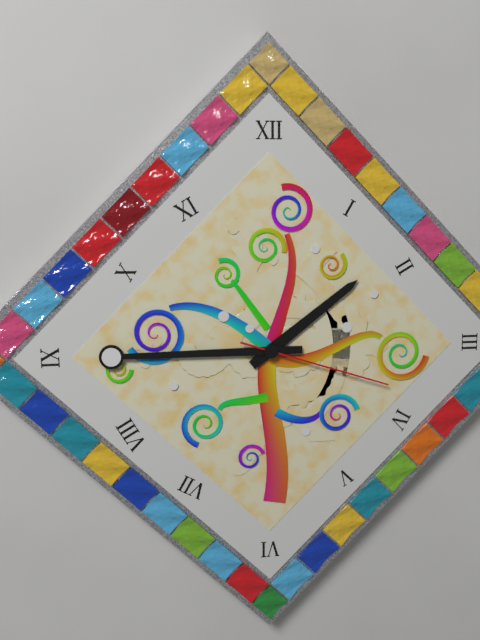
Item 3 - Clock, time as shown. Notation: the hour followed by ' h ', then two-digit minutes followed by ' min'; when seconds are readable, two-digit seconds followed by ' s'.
1 h 45 min 18 s
